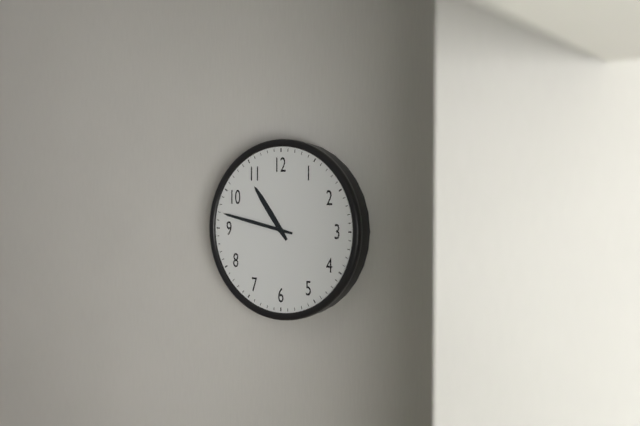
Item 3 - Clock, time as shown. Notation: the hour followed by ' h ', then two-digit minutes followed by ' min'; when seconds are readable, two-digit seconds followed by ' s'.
10 h 47 min
